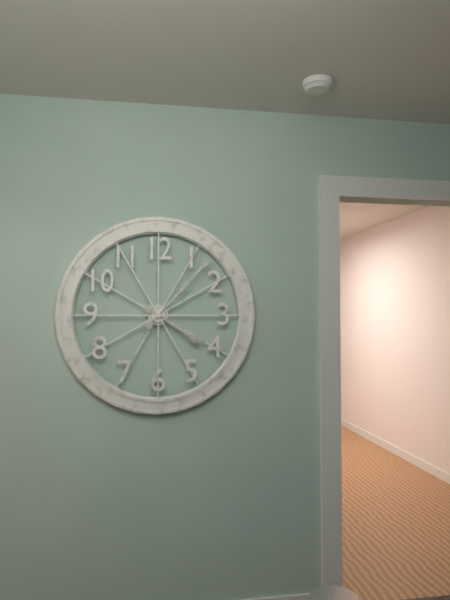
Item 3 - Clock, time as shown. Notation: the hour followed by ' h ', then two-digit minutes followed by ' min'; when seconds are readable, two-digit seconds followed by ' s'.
4 h 07 min
